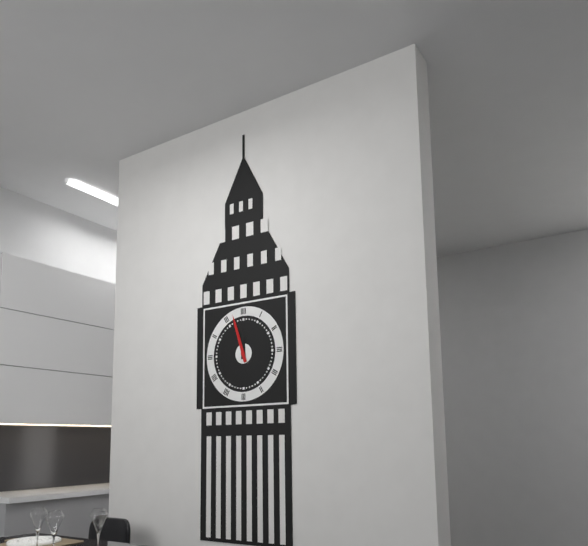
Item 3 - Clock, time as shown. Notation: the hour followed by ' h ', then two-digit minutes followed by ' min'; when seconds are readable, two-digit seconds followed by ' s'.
11 h 57 min
